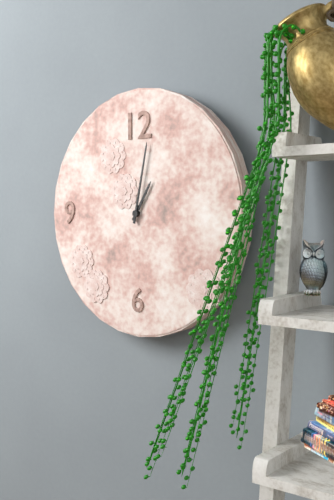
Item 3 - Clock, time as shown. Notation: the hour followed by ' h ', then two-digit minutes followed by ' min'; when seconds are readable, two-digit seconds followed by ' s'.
1 h 02 min
